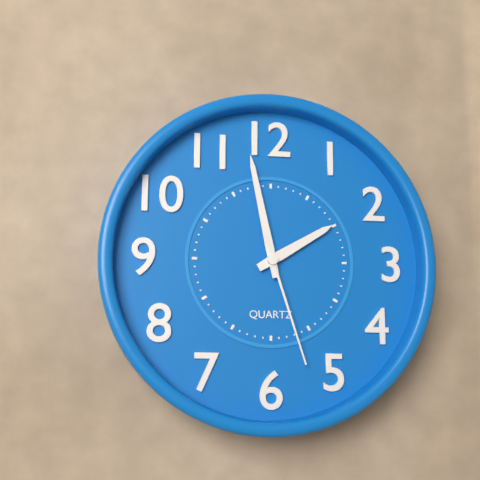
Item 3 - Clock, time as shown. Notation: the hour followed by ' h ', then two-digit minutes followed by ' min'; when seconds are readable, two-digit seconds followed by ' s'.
1 h 58 min 27 s
